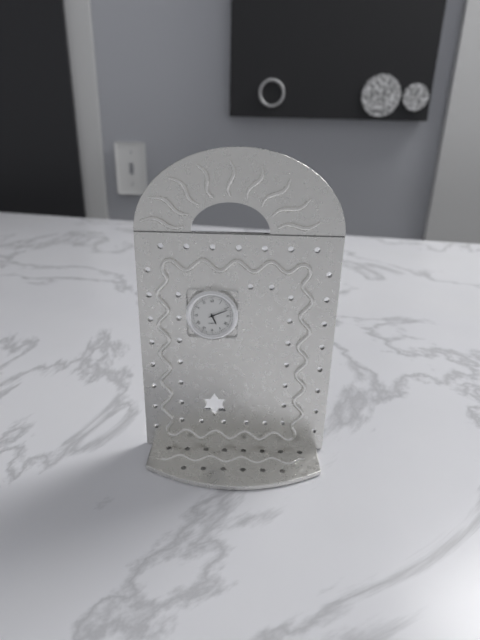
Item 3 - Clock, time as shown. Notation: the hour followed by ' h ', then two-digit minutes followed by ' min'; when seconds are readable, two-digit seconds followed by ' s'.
5 h 11 min
